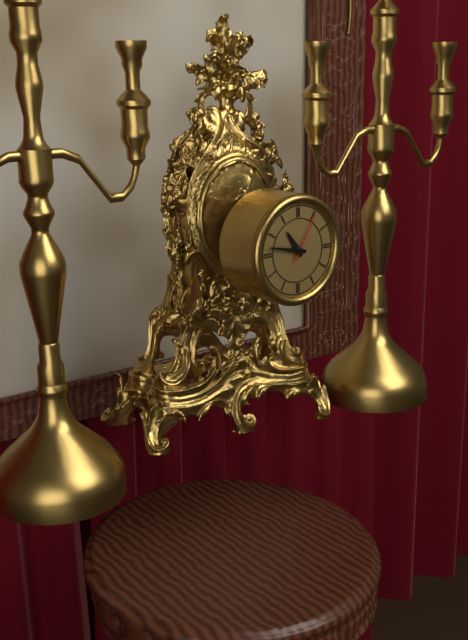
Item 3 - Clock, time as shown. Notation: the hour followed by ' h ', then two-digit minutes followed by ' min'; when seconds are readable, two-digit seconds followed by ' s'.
10 h 47 min 05 s
